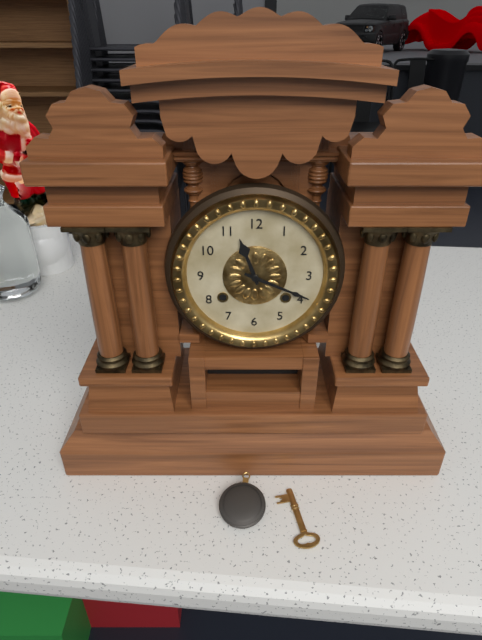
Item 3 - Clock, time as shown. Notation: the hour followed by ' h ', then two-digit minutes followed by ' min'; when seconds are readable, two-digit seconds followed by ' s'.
11 h 19 min
